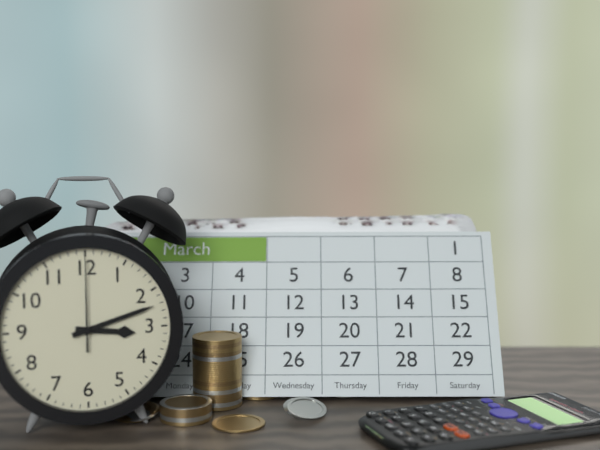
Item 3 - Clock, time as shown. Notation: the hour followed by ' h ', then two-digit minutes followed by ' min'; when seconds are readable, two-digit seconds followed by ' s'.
3 h 12 min 00 s
